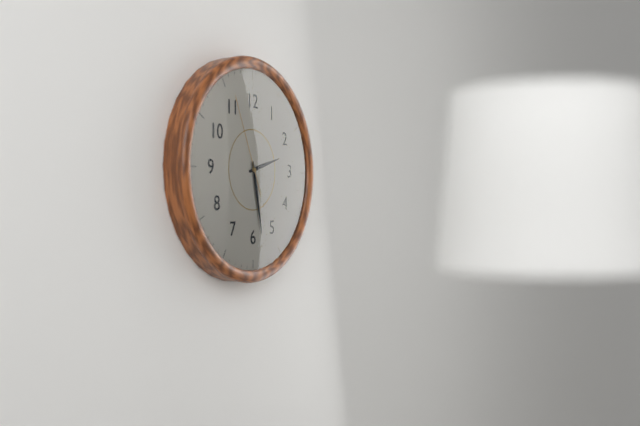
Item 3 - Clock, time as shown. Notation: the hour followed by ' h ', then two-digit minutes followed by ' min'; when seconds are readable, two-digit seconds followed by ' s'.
2 h 28 min 56 s
